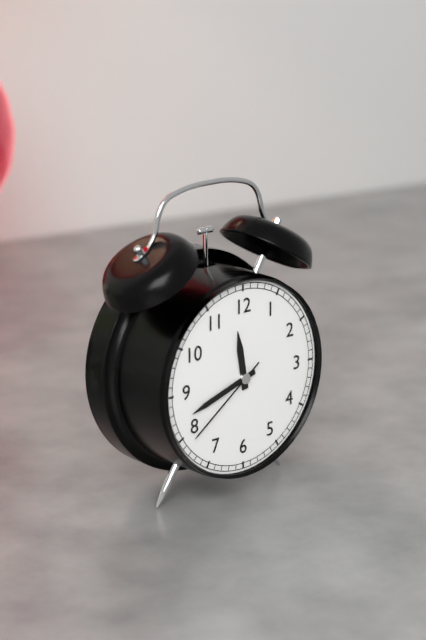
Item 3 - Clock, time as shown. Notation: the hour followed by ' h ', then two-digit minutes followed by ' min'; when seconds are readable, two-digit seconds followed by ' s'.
11 h 42 min 39 s
